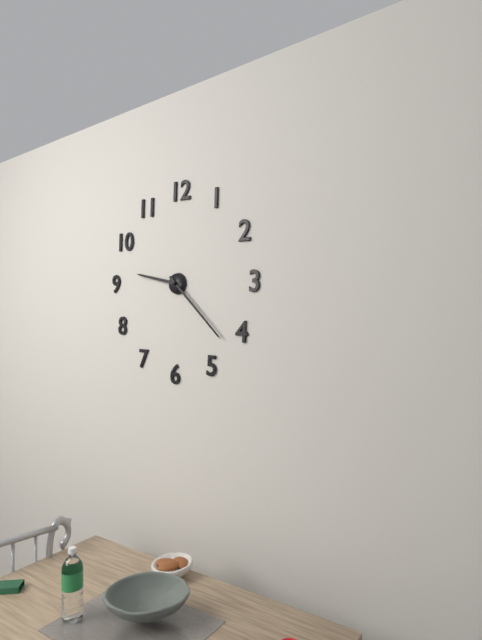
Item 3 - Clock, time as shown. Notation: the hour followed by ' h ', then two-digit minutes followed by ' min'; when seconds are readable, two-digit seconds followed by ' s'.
9 h 22 min
